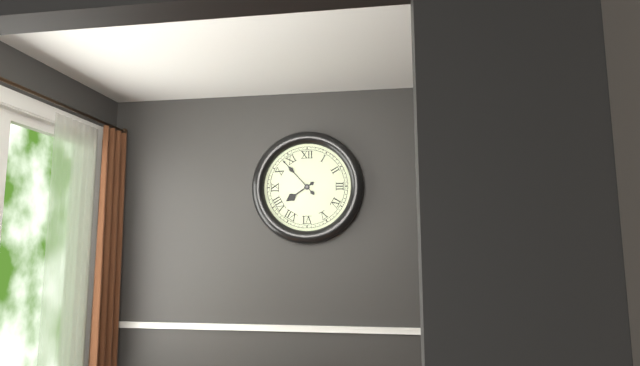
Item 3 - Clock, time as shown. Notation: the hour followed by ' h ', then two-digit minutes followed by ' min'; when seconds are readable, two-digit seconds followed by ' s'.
7 h 53 min
